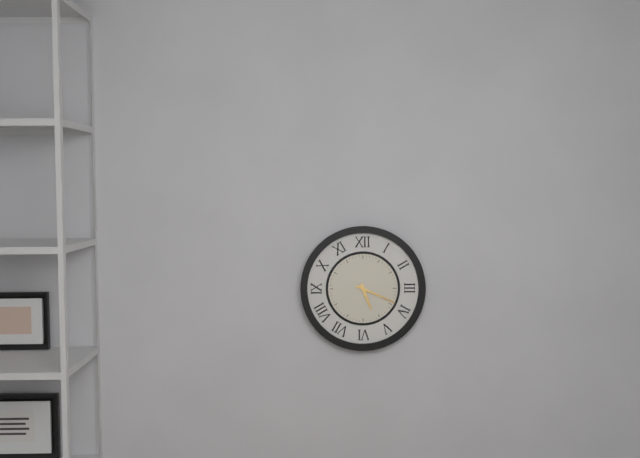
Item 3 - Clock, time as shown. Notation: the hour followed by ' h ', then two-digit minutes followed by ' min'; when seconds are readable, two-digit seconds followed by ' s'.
5 h 19 min
